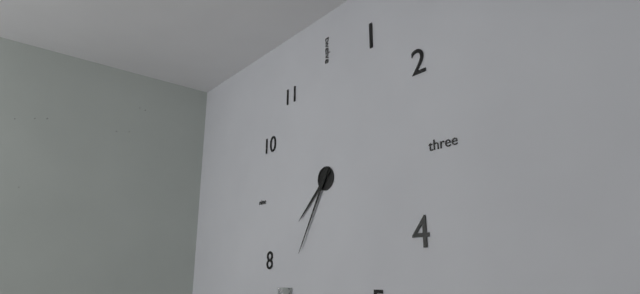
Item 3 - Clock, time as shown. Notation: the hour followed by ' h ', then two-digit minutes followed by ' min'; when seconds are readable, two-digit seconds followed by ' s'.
7 h 35 min
